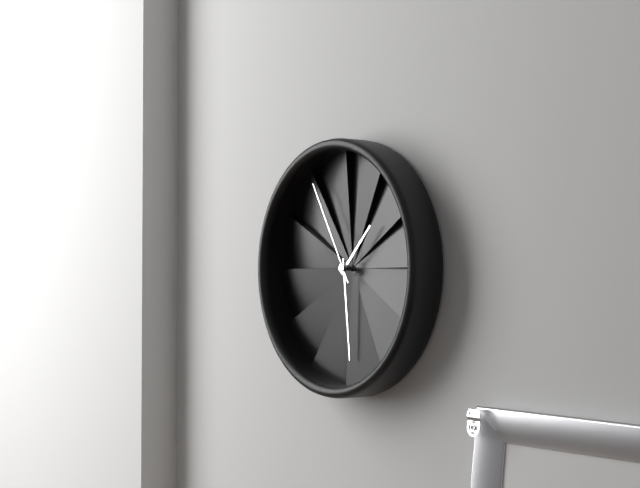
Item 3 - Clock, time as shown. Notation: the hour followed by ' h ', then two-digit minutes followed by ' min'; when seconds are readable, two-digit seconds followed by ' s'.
1 h 29 min 55 s
